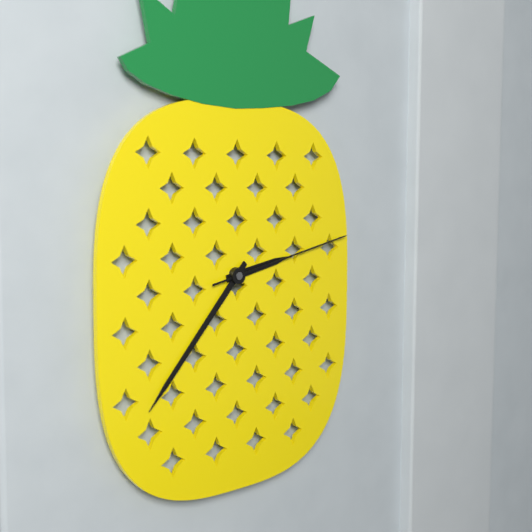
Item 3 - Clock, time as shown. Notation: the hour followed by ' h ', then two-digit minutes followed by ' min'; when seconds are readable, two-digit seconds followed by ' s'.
2 h 37 min 13 s
